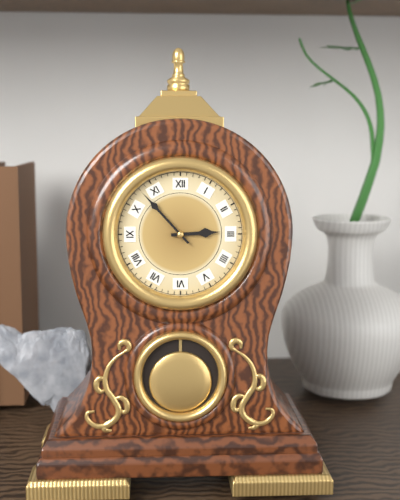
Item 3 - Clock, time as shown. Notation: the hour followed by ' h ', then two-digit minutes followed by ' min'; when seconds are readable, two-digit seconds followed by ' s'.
2 h 53 min
